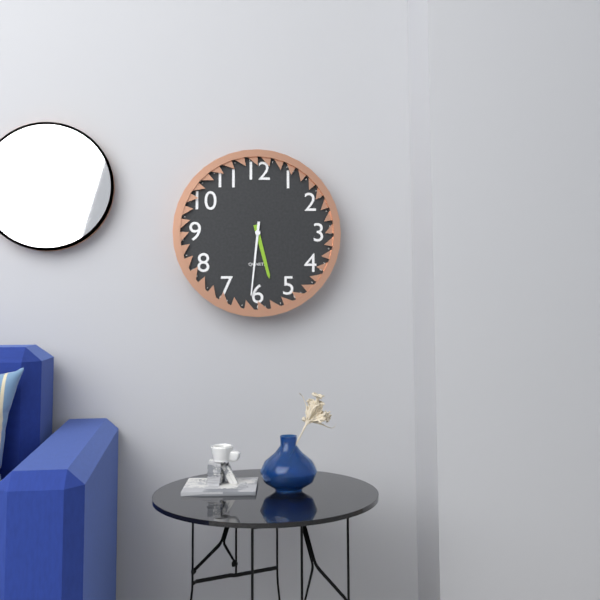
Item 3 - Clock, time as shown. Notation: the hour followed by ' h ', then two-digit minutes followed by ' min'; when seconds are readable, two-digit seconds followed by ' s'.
5 h 31 min
